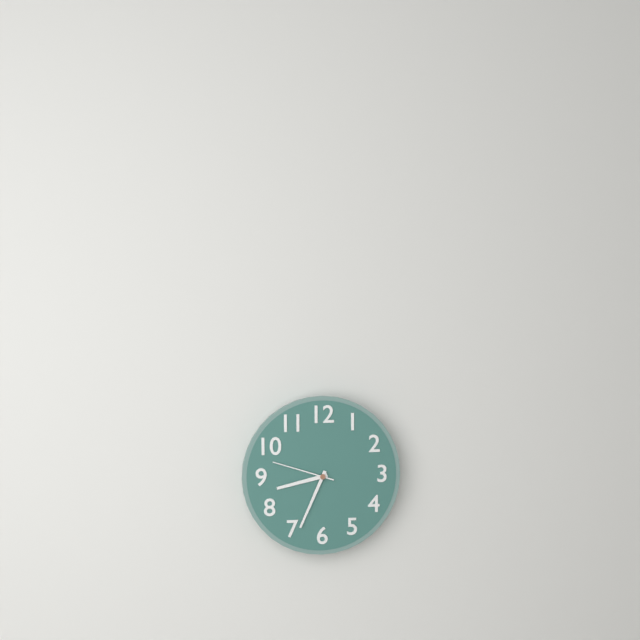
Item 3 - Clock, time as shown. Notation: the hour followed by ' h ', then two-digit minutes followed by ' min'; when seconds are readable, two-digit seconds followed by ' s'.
8 h 34 min 48 s
